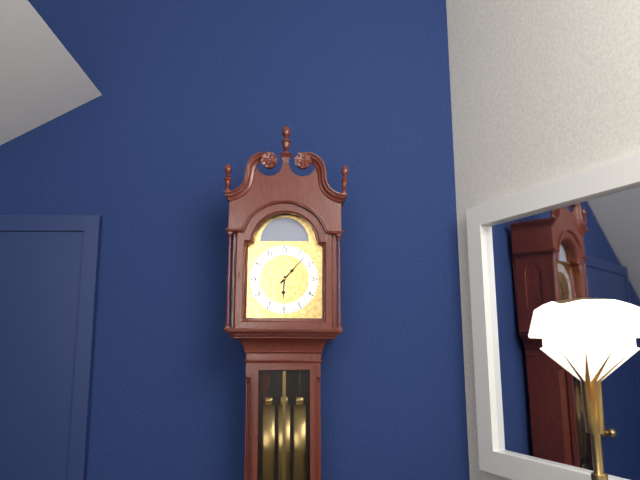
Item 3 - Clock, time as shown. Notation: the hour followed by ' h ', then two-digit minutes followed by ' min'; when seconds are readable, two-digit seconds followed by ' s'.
6 h 07 min
